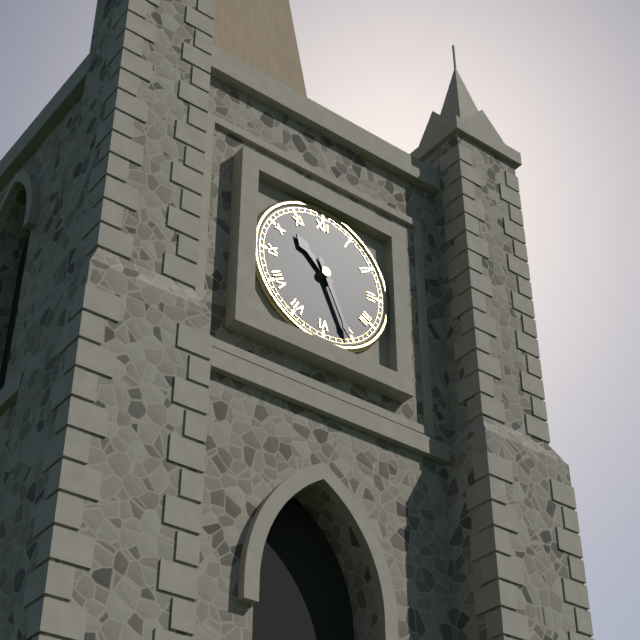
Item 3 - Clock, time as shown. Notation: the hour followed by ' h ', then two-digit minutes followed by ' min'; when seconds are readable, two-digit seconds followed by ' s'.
10 h 26 min
